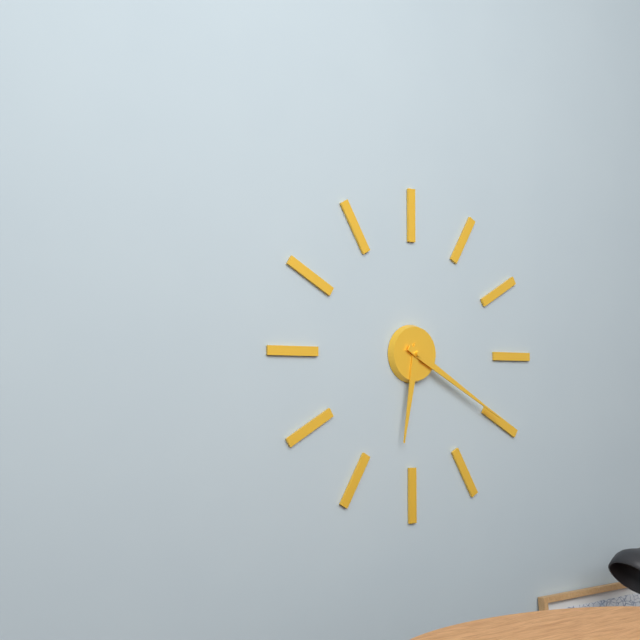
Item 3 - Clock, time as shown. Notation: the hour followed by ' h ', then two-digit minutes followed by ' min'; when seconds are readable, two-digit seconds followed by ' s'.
6 h 20 min
